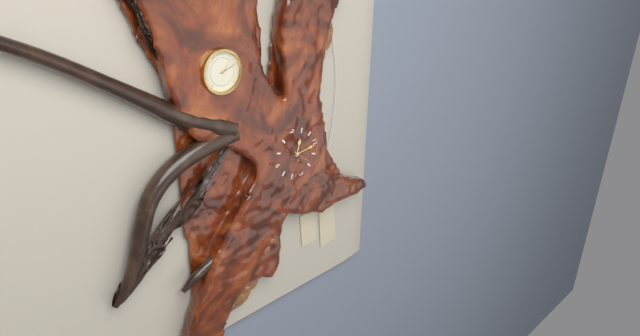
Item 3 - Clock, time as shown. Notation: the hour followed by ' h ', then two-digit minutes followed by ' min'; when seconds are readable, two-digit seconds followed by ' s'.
10 h 01 min
